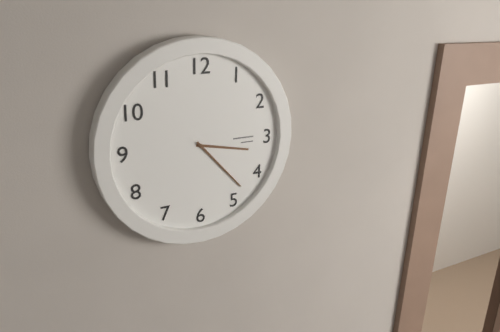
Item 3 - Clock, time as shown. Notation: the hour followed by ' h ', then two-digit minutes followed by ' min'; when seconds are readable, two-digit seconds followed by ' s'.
3 h 23 min
